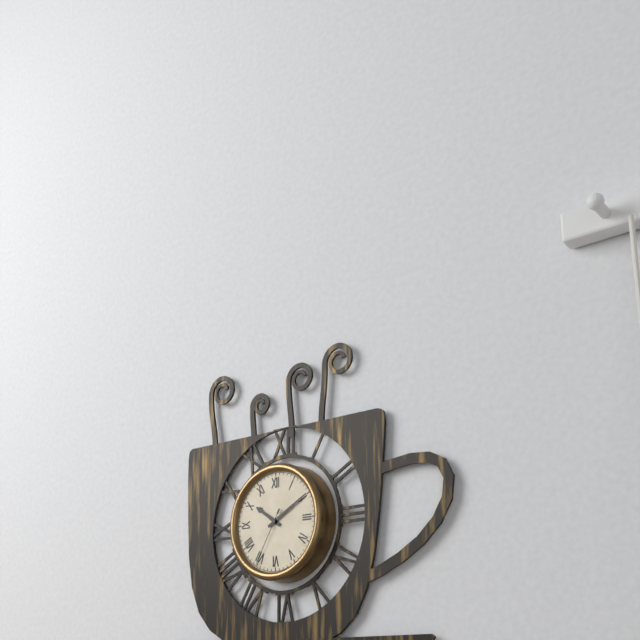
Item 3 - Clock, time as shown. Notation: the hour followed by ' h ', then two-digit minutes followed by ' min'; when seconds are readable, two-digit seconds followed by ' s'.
10 h 10 min 35 s
